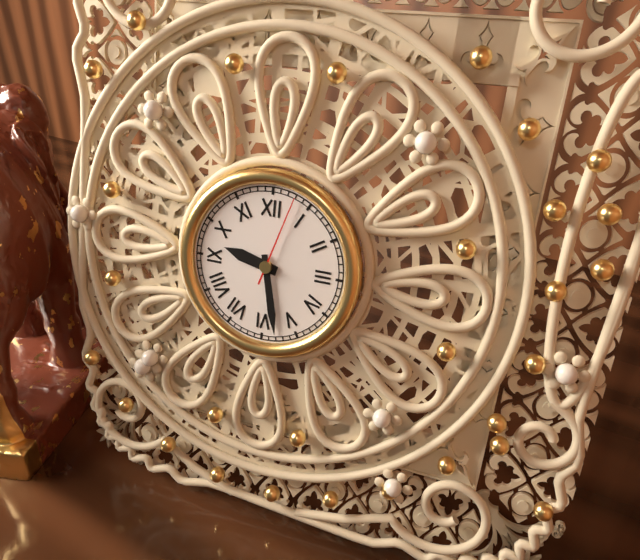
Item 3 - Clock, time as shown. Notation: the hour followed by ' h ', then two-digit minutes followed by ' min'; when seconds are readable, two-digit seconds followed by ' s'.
9 h 28 min 03 s
